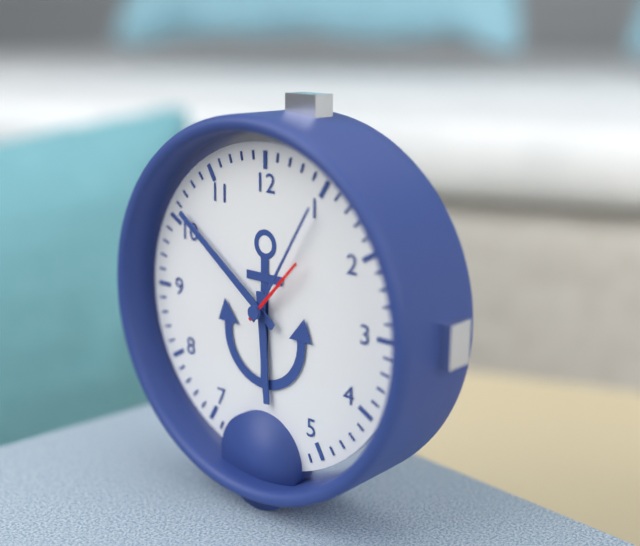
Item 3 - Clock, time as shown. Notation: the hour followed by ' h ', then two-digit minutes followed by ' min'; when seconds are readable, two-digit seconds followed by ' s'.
5 h 51 min 07 s
